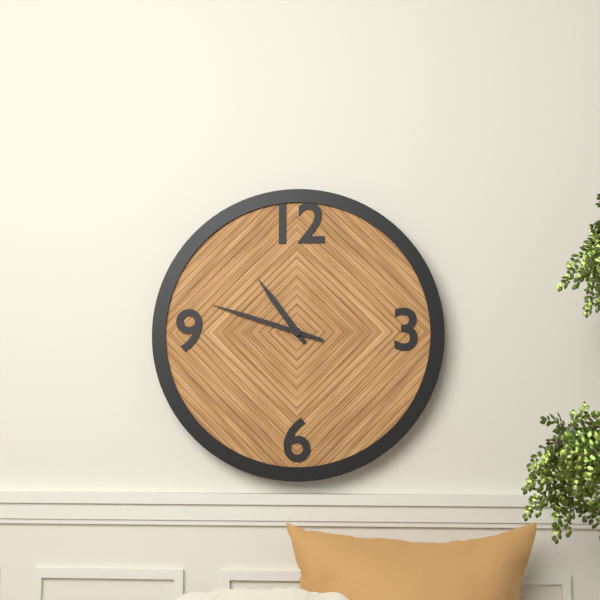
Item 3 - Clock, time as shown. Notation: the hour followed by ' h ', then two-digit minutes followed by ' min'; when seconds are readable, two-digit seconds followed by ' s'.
10 h 48 min
